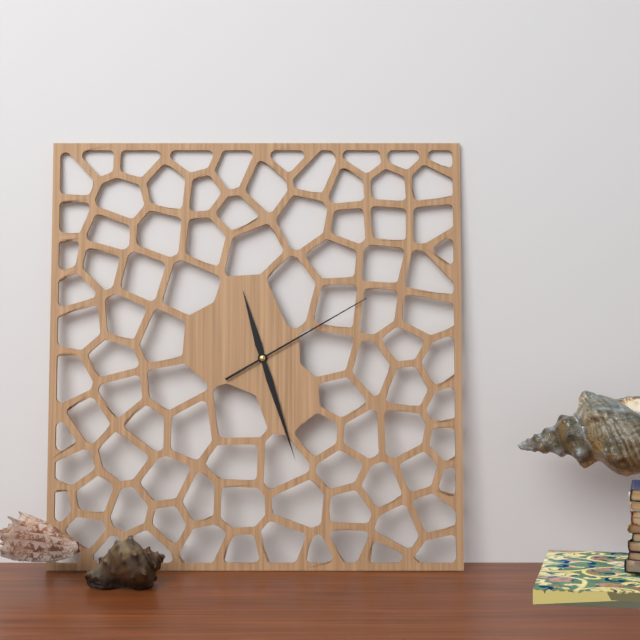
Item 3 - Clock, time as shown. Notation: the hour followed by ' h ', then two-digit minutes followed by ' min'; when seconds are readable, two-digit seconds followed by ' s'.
11 h 27 min 10 s
